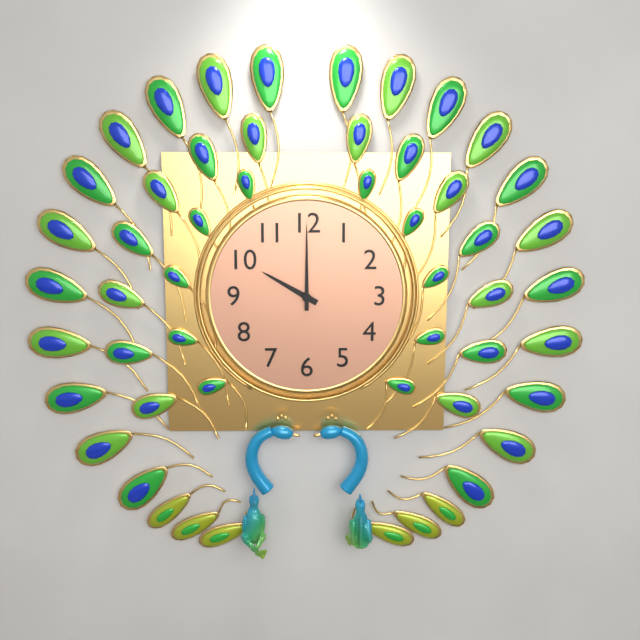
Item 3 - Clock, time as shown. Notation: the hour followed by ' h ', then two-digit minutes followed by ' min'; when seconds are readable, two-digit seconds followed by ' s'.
10 h 00 min
